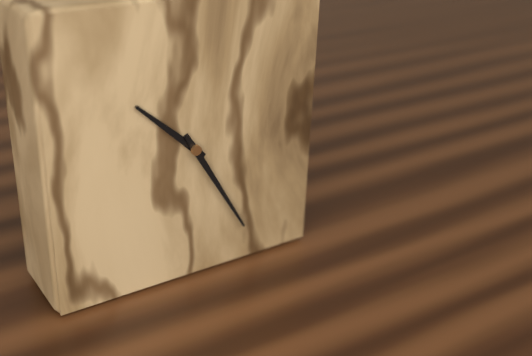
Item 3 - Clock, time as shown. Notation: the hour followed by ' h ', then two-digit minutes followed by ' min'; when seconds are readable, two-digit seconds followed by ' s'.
10 h 25 min
